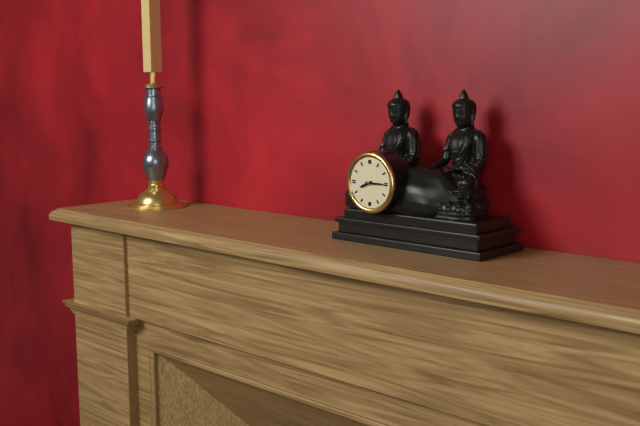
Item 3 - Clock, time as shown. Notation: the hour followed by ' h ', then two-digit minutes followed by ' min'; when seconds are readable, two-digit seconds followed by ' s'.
8 h 15 min
